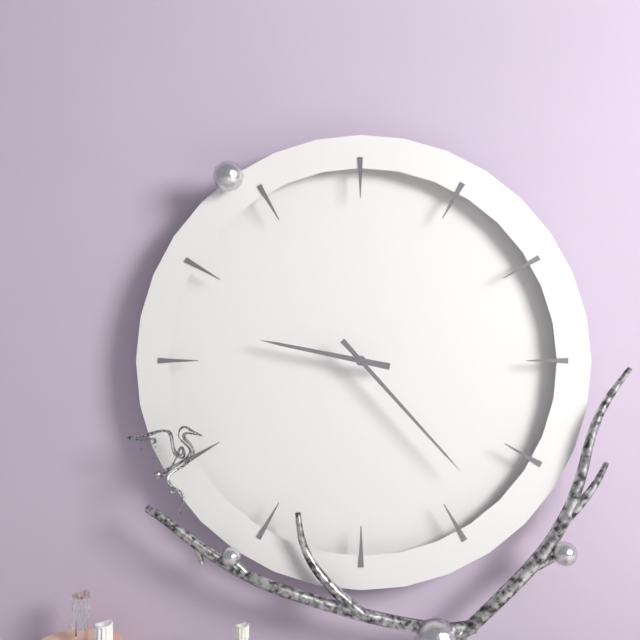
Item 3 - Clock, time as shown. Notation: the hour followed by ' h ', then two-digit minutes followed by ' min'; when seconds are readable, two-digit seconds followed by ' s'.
9 h 23 min
